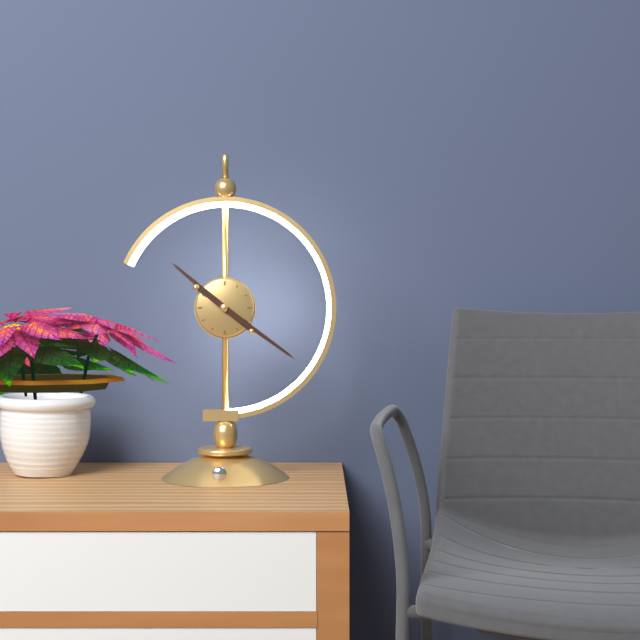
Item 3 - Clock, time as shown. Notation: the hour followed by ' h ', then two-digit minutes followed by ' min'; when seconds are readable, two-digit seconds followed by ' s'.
10 h 21 min
